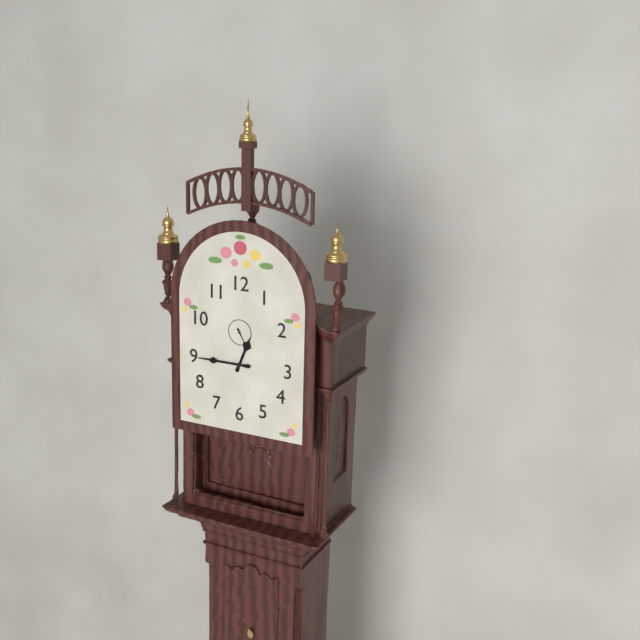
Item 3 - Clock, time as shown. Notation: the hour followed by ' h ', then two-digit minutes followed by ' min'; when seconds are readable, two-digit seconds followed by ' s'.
12 h 45 min
